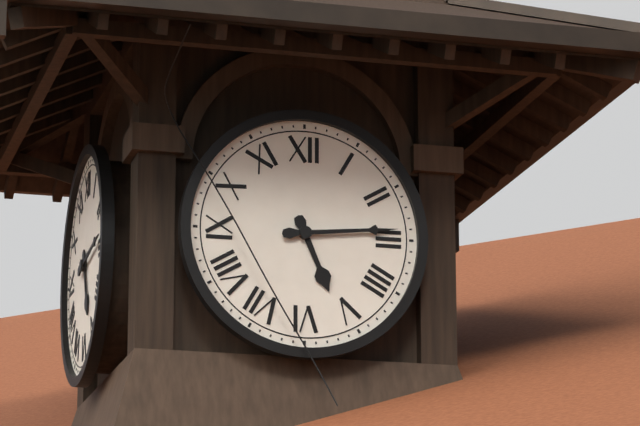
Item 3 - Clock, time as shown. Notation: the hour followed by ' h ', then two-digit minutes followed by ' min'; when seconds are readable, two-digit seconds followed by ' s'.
5 h 14 min
